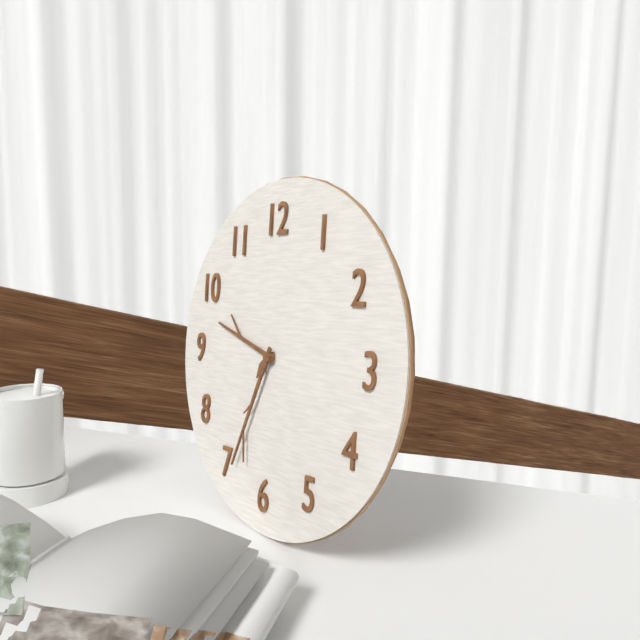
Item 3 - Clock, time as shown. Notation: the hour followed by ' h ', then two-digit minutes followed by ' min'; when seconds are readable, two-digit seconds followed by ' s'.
9 h 34 min
